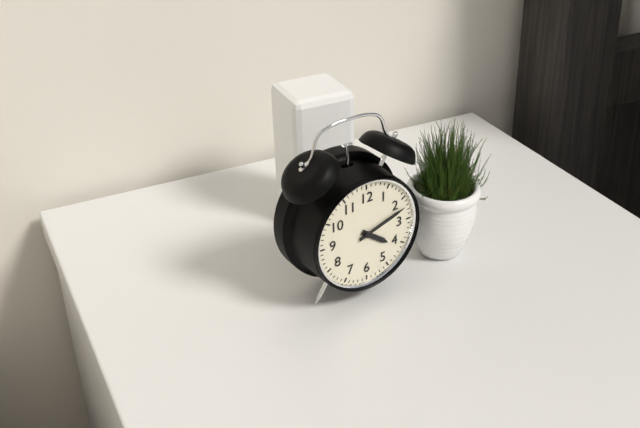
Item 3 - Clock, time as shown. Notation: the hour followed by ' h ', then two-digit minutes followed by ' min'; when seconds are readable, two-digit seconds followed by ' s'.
4 h 12 min
